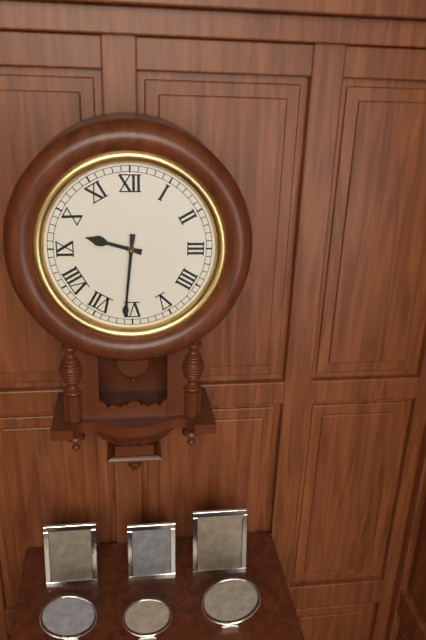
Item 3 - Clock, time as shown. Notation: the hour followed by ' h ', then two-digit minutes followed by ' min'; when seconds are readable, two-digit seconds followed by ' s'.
9 h 31 min
